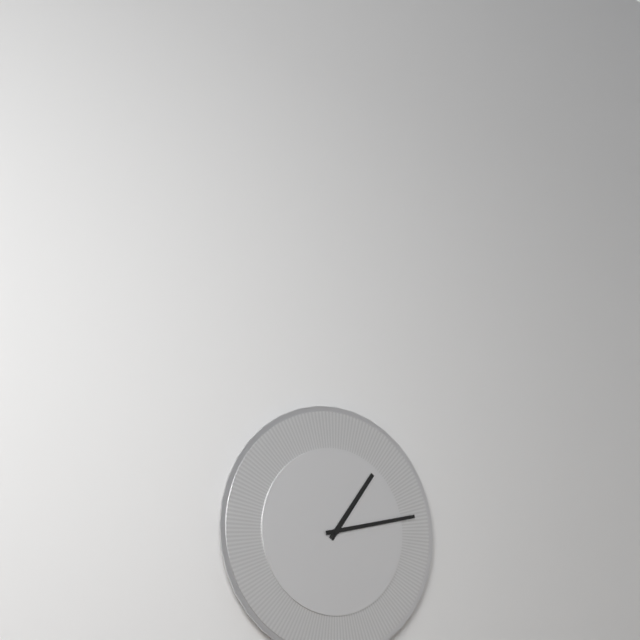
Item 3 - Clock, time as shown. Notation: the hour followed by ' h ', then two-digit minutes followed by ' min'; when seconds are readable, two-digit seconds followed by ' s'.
1 h 13 min
